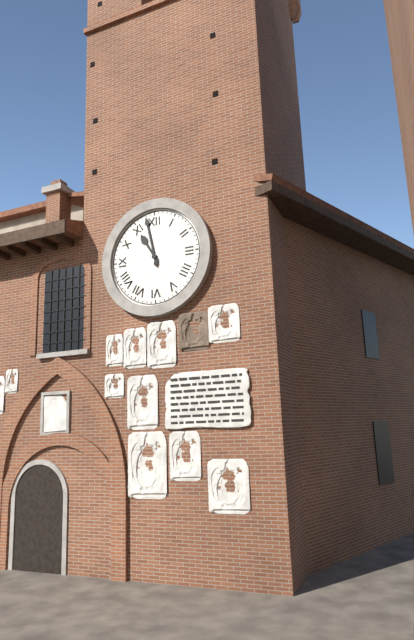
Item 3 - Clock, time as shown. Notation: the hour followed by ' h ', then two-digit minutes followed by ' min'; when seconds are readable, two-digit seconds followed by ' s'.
10 h 58 min
